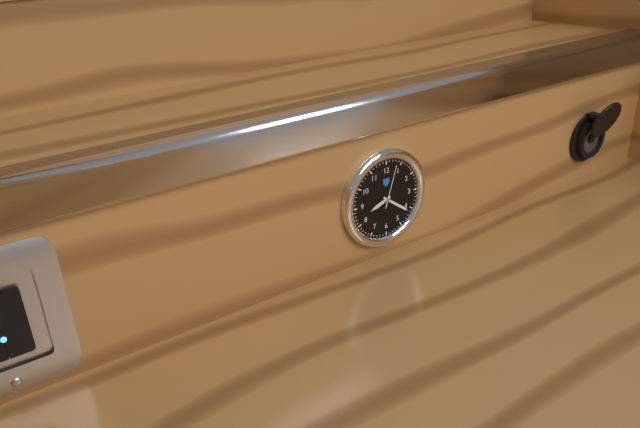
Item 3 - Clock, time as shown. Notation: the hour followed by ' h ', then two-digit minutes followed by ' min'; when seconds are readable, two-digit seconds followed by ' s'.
8 h 21 min
